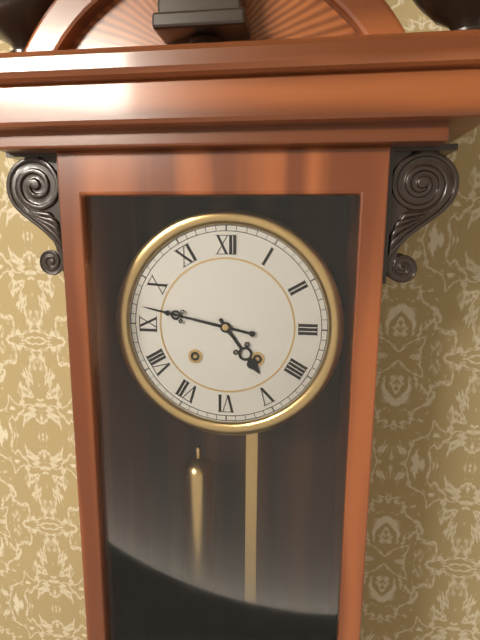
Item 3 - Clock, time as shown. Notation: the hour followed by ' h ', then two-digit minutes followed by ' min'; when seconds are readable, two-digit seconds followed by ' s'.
4 h 47 min
